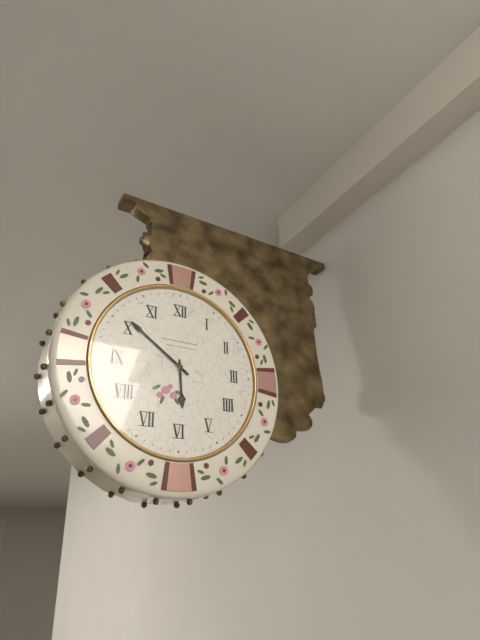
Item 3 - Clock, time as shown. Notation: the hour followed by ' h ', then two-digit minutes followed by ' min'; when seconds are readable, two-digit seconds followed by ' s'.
5 h 51 min
